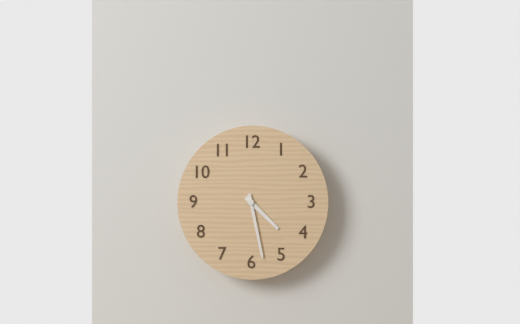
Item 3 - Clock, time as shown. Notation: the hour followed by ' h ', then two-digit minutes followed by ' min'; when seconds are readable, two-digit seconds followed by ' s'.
4 h 28 min
